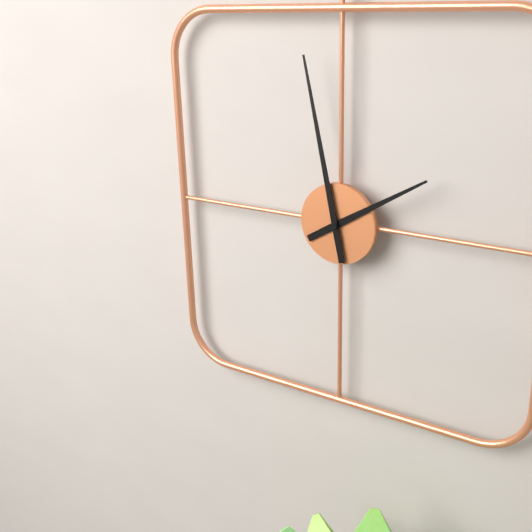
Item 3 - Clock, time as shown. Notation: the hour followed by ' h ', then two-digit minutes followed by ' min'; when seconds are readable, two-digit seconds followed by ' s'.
1 h 58 min
